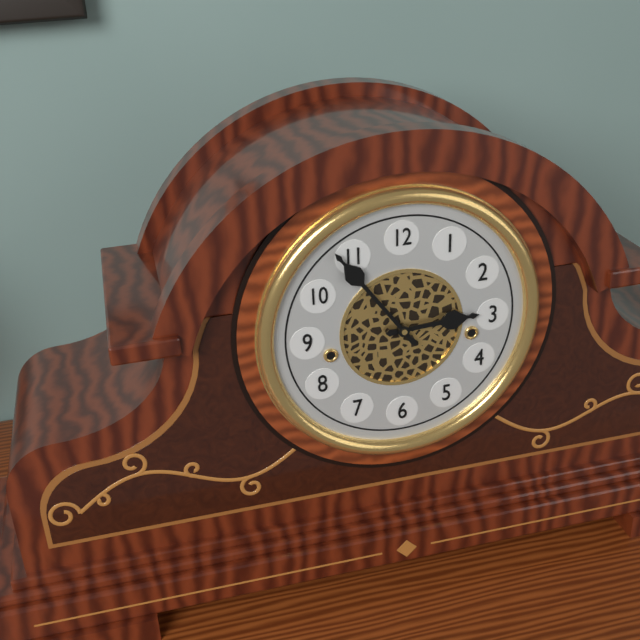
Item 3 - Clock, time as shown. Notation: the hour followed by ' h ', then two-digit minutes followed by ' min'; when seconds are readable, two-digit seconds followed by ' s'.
2 h 54 min
